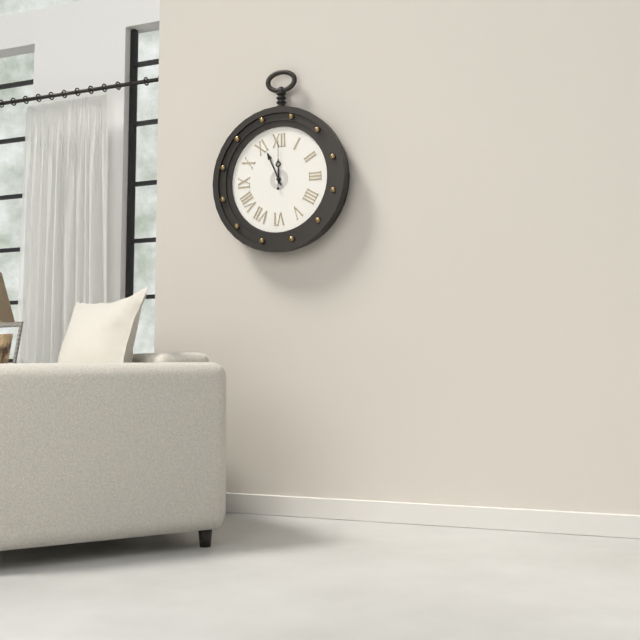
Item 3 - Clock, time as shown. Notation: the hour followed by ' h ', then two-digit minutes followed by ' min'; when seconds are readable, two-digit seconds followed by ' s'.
11 h 56 min
